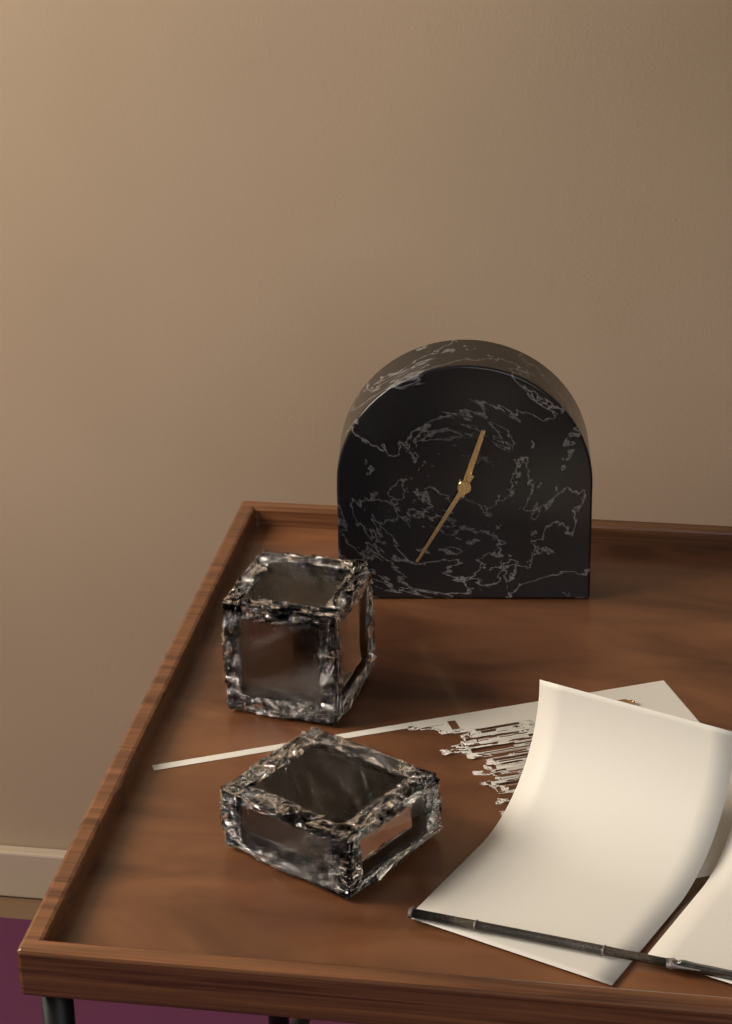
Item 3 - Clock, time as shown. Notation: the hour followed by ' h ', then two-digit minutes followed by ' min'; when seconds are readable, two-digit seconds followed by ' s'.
12 h 35 min
